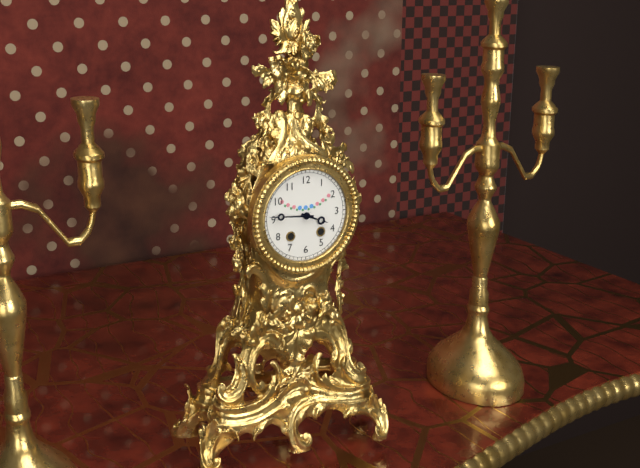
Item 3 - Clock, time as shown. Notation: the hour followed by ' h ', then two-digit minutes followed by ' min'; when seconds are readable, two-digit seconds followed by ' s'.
3 h 46 min
